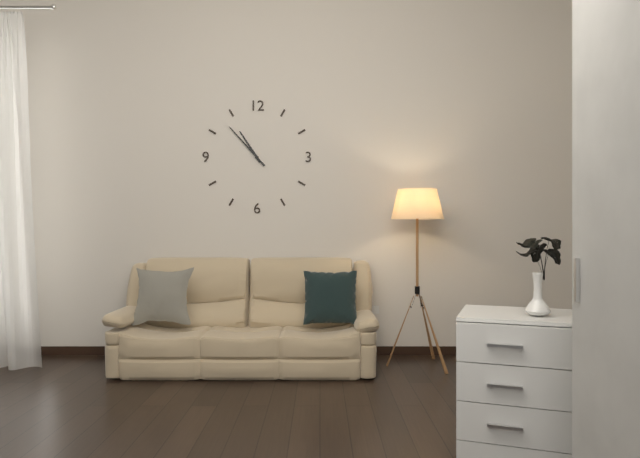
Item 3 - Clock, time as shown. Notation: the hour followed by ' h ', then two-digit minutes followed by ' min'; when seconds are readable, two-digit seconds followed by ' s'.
10 h 53 min
